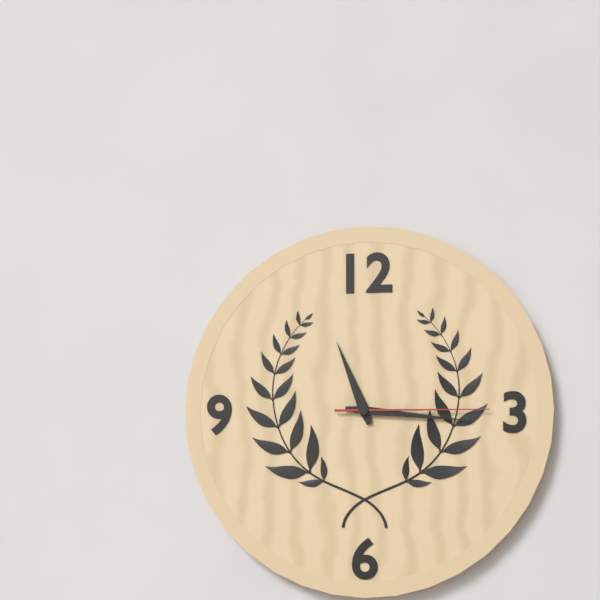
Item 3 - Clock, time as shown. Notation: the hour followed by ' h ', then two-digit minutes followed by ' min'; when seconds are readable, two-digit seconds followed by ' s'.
11 h 16 min 15 s
